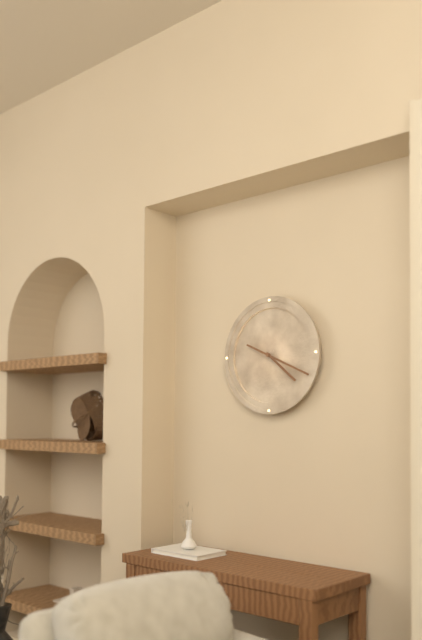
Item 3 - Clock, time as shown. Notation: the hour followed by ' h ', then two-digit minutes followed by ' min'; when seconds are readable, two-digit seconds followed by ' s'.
4 h 19 min
